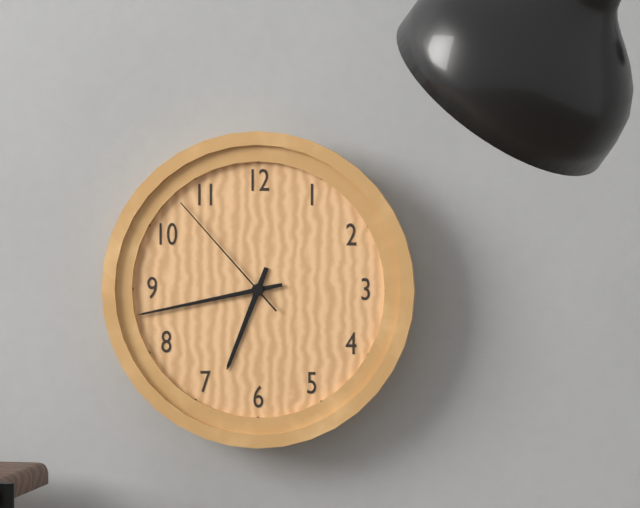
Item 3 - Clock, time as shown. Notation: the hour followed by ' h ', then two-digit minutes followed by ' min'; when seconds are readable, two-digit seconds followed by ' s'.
6 h 43 min 53 s
